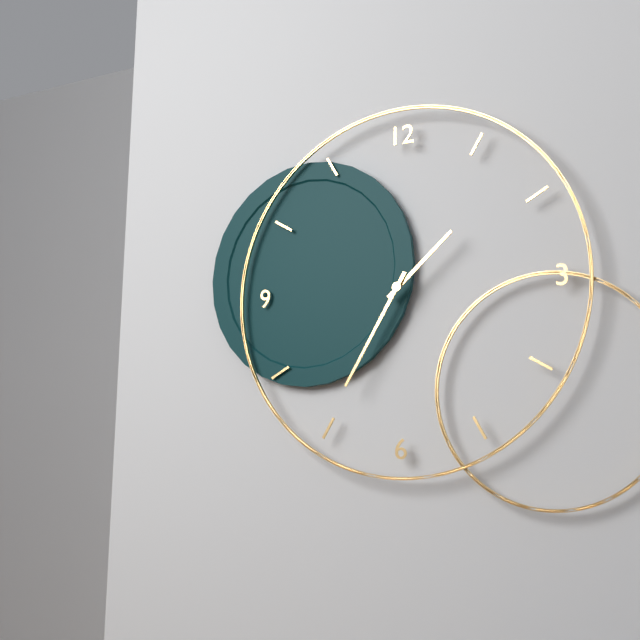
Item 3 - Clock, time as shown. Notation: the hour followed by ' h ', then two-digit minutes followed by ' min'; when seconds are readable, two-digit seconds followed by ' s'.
1 h 35 min
